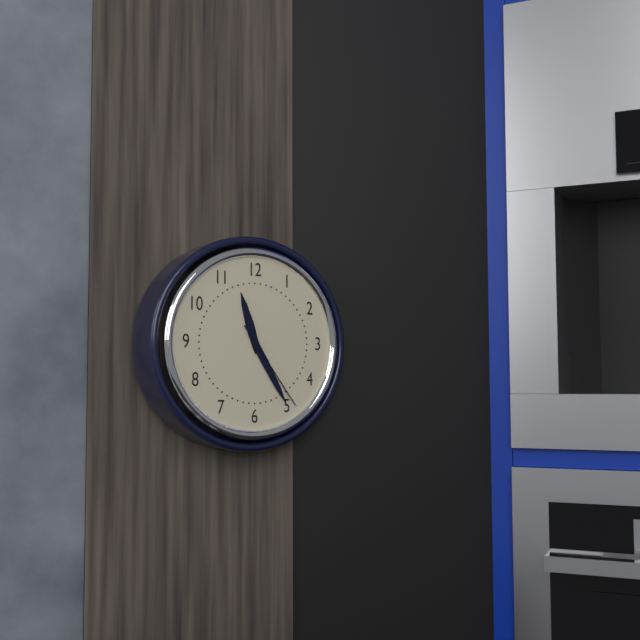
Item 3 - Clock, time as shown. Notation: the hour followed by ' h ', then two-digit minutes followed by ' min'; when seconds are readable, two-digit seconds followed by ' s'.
11 h 25 min 24 s
